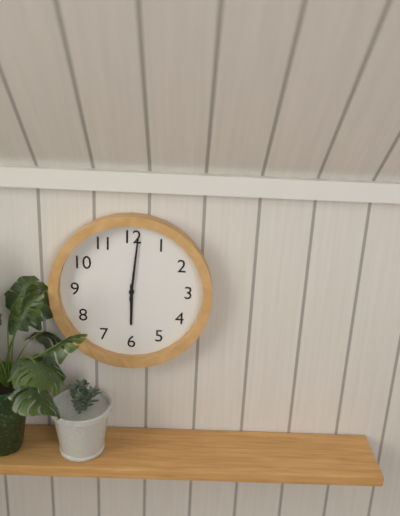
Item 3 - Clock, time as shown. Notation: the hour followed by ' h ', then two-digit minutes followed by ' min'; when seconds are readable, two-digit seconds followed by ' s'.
6 h 01 min
